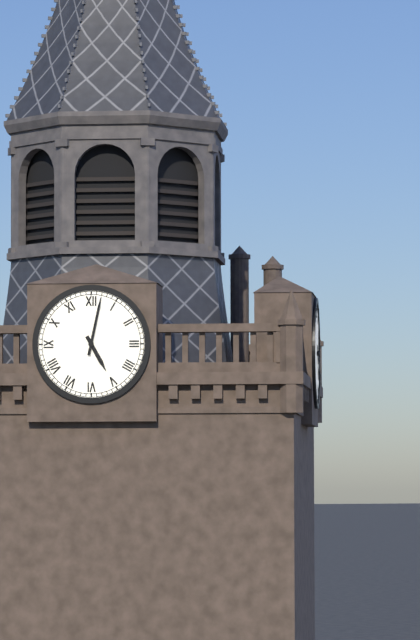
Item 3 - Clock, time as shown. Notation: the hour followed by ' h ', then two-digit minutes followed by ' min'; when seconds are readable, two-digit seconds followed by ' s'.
5 h 02 min
